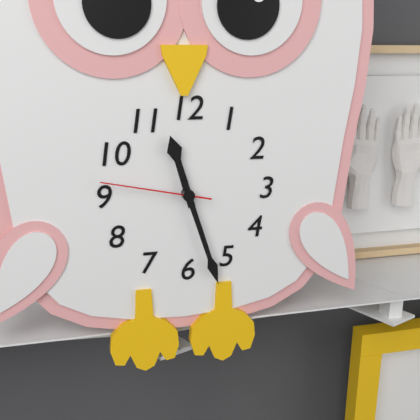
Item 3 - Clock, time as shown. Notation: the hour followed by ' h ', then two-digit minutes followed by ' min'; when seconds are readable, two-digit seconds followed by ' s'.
11 h 27 min 47 s
